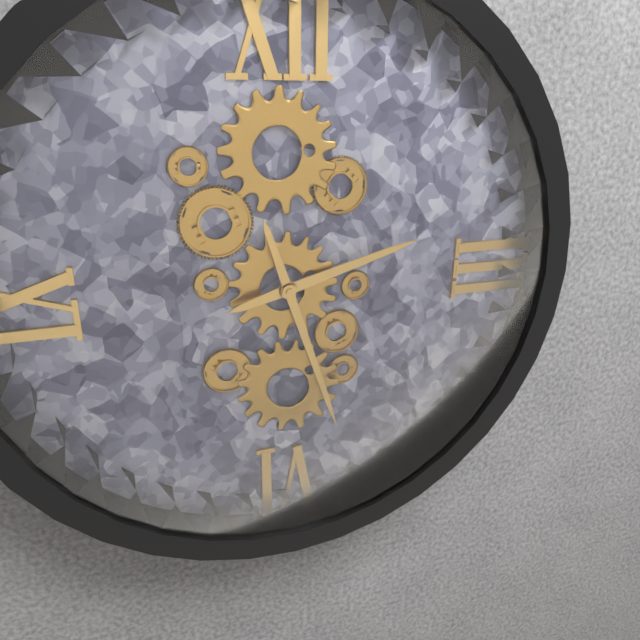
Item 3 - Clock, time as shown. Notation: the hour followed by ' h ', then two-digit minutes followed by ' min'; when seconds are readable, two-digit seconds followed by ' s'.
2 h 27 min
